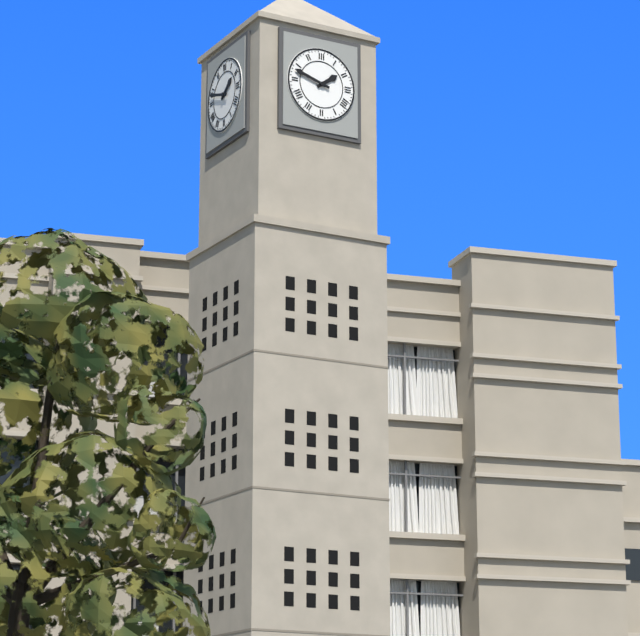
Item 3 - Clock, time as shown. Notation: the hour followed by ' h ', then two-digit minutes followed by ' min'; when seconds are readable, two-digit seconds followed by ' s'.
1 h 48 min
